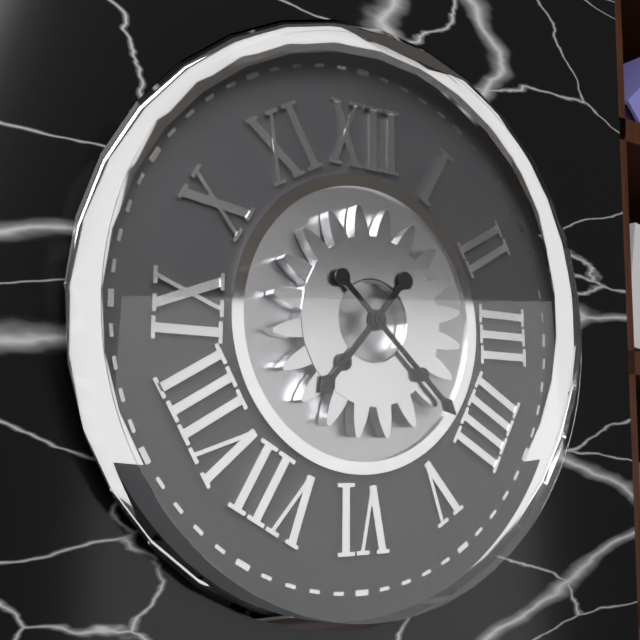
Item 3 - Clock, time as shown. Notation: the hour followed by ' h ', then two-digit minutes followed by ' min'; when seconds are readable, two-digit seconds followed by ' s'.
7 h 22 min
